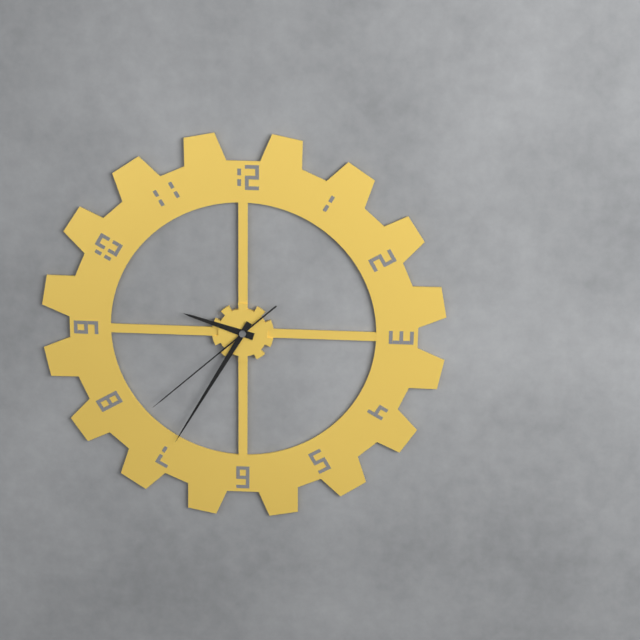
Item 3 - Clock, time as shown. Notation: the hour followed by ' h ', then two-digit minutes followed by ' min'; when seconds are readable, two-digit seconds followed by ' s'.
9 h 35 min 38 s
